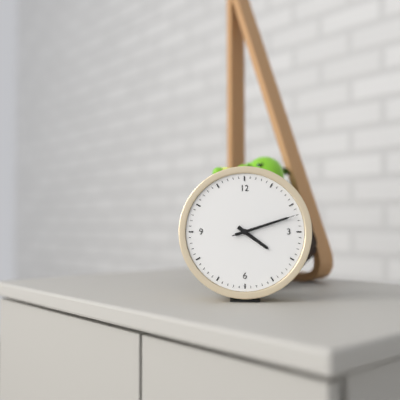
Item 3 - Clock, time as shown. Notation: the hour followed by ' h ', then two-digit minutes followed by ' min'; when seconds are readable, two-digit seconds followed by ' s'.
4 h 12 min 12 s
